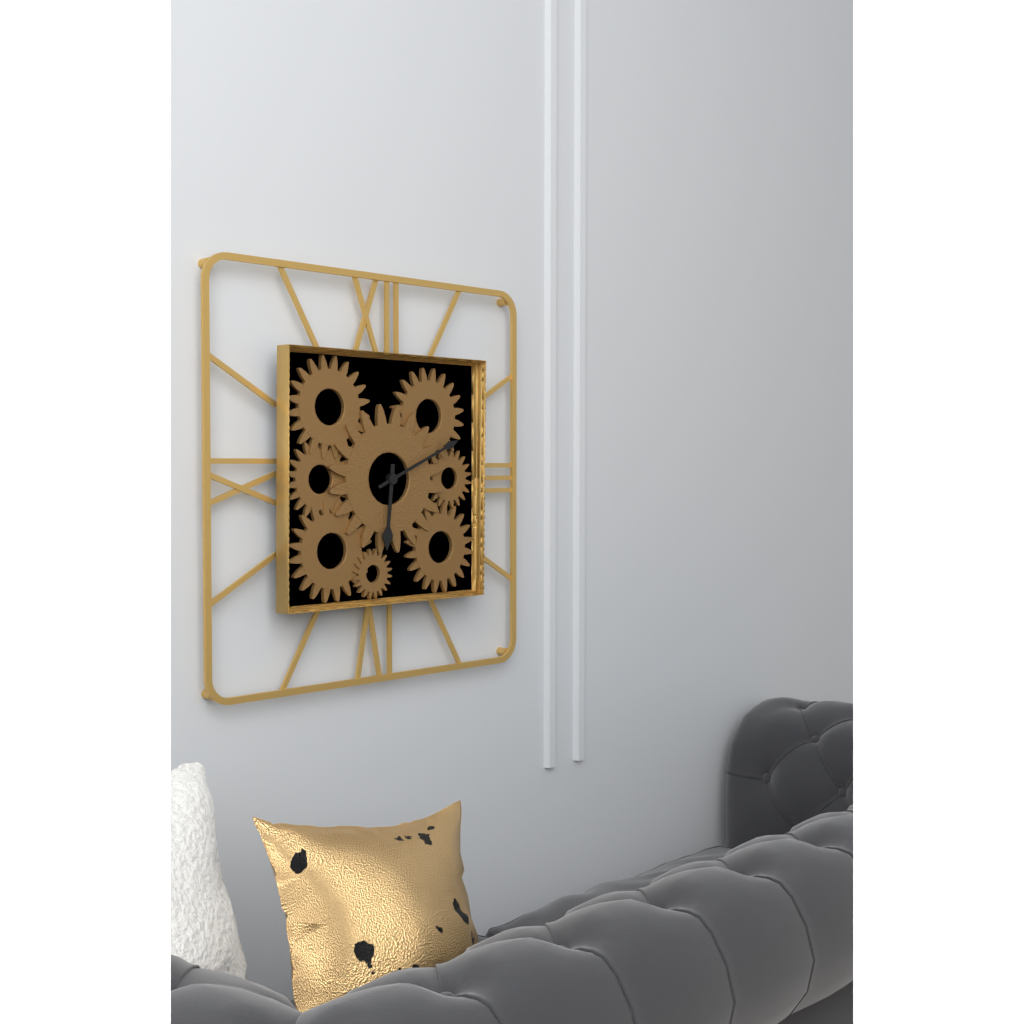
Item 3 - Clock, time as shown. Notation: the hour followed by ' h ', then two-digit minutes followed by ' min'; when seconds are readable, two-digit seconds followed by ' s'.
6 h 11 min
